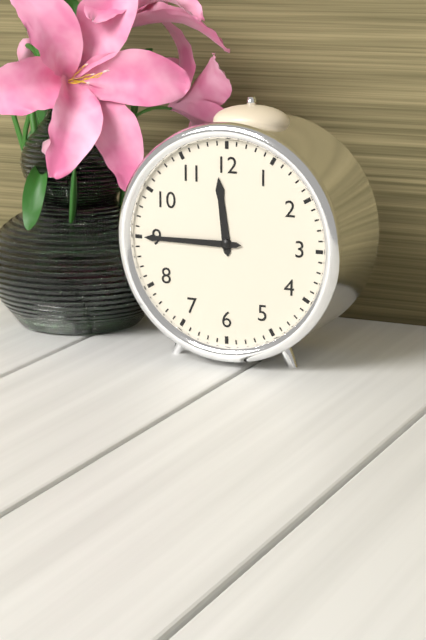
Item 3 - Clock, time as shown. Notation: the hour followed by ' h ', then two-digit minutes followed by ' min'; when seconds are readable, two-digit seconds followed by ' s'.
11 h 45 min
